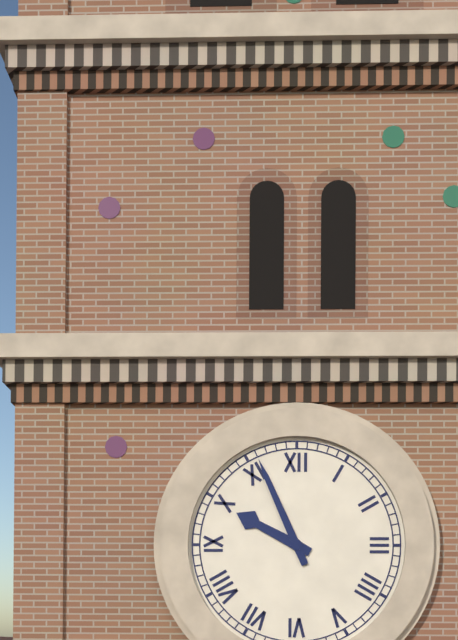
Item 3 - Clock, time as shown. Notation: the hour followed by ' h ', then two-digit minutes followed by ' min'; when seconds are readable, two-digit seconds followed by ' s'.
9 h 56 min
